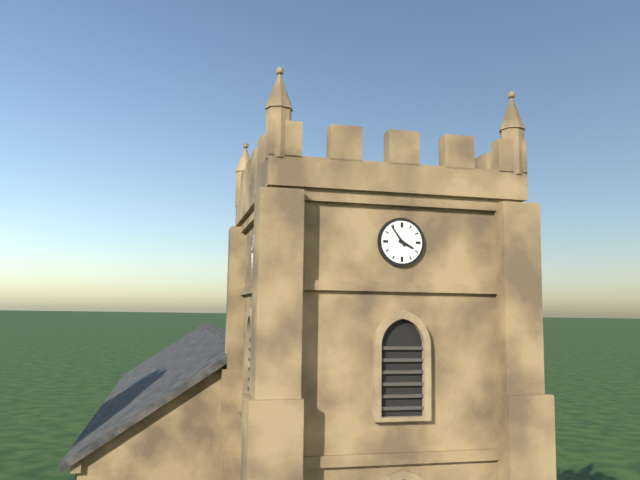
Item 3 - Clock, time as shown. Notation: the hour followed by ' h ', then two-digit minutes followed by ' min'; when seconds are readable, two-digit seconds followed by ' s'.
3 h 54 min
